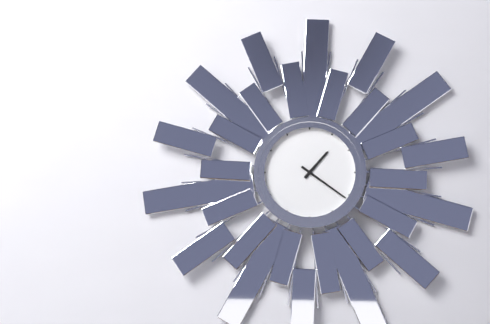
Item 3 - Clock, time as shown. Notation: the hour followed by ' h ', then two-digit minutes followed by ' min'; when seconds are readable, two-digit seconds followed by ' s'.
1 h 21 min
